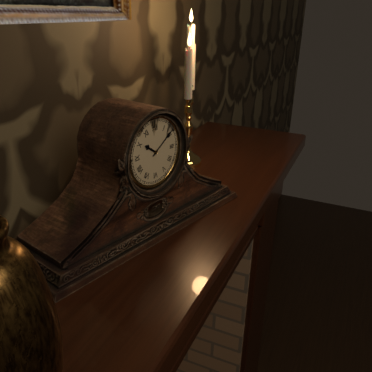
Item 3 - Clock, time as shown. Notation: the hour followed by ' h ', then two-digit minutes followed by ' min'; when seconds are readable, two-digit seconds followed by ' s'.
10 h 09 min
